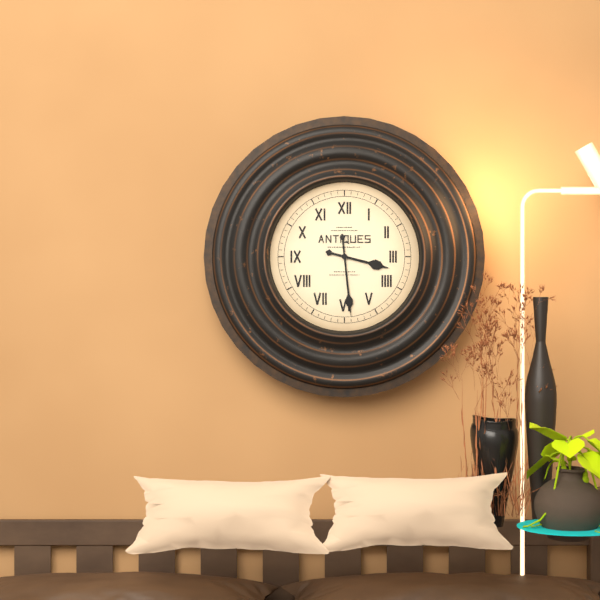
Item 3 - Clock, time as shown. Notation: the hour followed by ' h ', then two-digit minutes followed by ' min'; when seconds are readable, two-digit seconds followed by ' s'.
3 h 29 min
